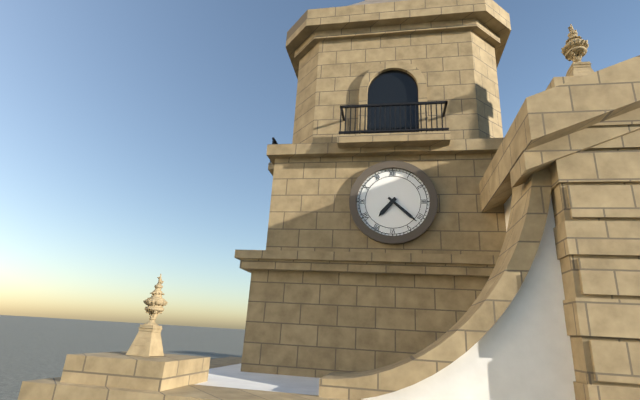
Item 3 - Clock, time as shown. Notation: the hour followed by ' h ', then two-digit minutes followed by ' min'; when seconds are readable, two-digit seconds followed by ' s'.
7 h 22 min
